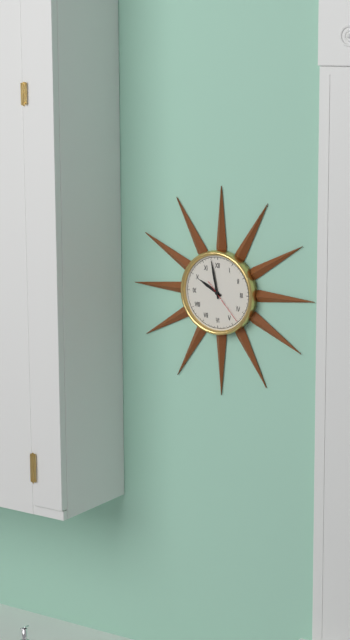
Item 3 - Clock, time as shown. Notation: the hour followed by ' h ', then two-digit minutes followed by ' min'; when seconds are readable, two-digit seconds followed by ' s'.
9 h 58 min
